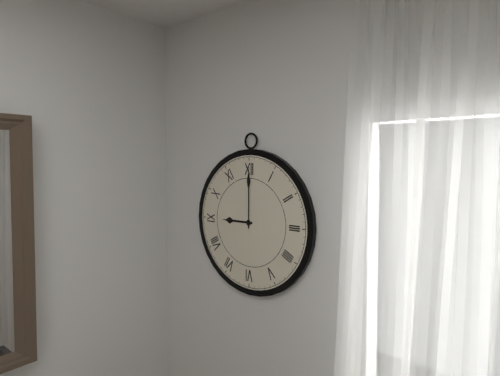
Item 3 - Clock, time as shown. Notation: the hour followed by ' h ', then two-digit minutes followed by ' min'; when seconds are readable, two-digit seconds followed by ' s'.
9 h 00 min
